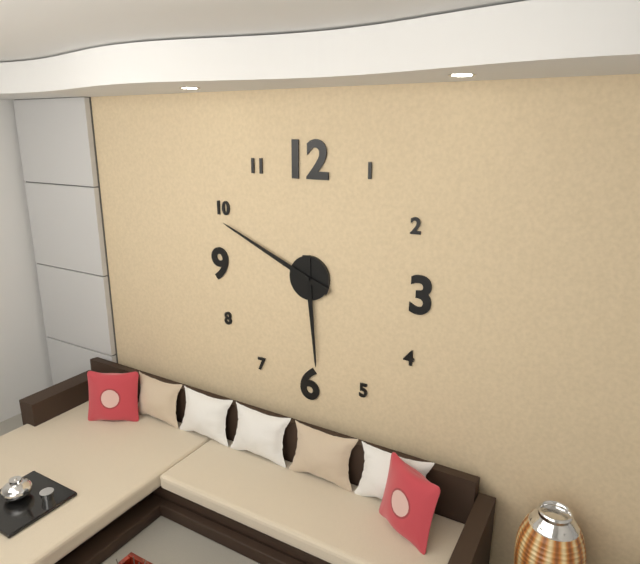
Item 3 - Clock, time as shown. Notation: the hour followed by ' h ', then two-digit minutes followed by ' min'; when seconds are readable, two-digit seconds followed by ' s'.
5 h 49 min
